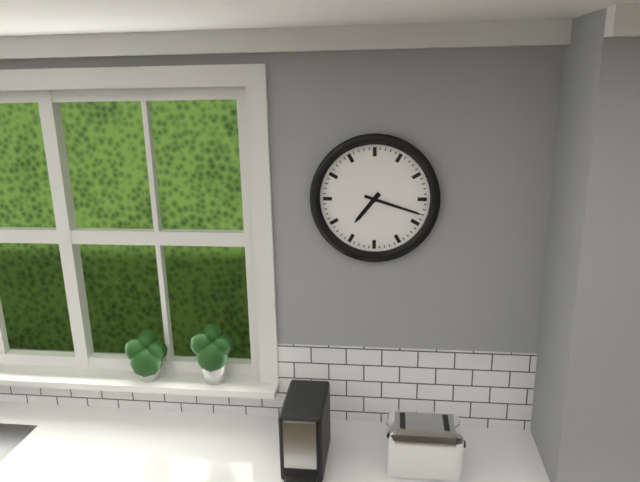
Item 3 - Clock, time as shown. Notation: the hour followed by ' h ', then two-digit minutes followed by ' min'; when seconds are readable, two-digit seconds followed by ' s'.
7 h 18 min
